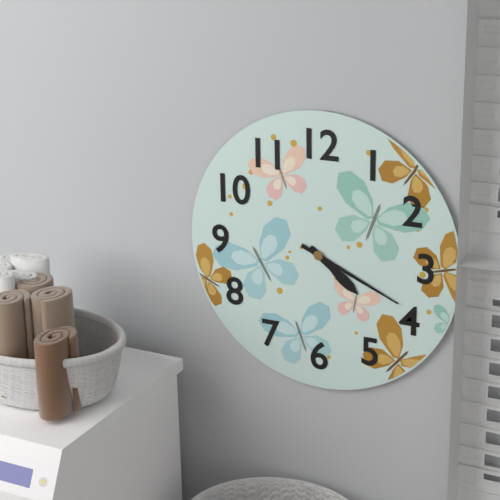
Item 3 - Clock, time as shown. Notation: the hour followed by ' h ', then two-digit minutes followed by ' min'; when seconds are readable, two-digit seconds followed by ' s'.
4 h 19 min
